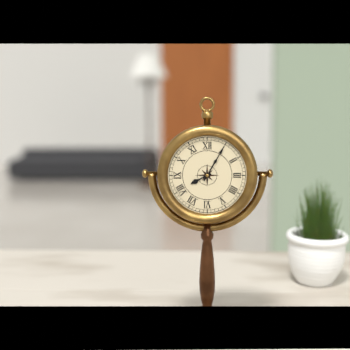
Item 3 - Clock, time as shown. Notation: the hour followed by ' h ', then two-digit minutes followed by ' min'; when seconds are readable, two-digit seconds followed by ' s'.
8 h 05 min
